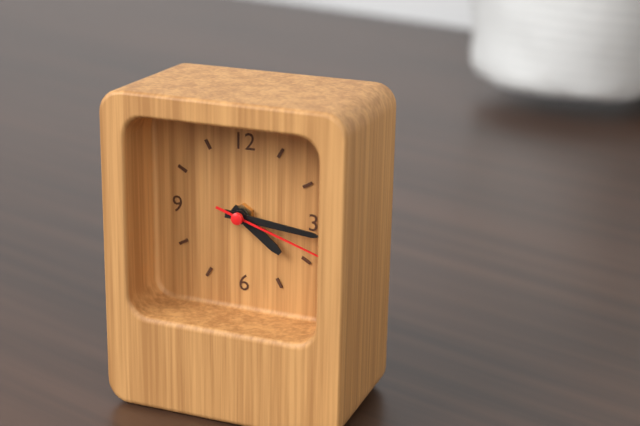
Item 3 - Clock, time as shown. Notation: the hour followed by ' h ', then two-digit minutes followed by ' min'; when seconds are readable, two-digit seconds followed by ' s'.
4 h 16 min 18 s
